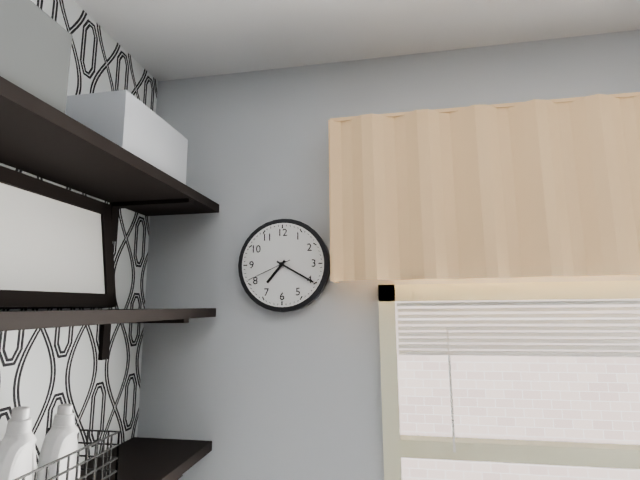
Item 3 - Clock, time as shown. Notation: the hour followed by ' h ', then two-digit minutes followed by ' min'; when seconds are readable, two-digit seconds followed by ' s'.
7 h 20 min
